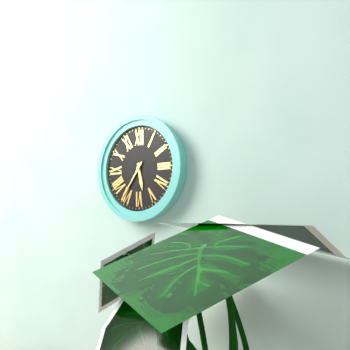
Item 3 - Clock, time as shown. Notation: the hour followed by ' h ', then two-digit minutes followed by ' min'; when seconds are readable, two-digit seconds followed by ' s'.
5 h 36 min
